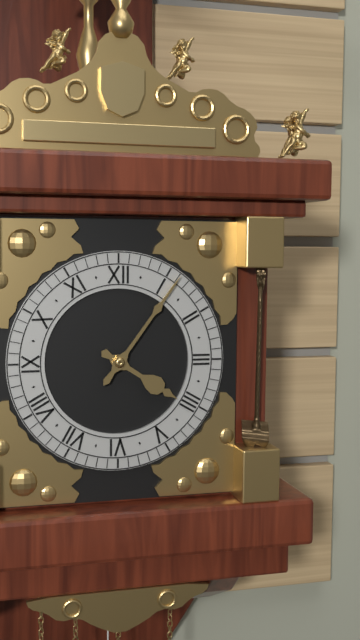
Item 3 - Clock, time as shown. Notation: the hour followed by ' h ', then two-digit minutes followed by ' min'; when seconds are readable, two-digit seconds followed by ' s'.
4 h 06 min
